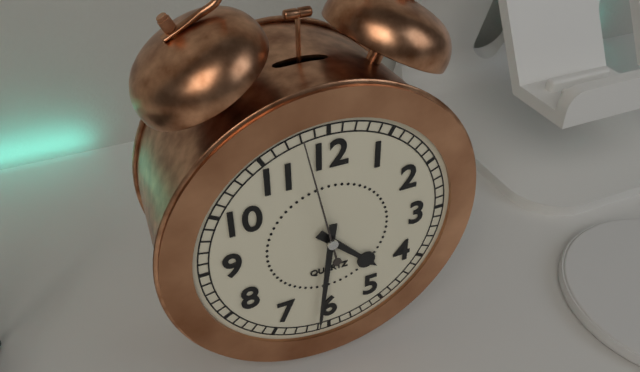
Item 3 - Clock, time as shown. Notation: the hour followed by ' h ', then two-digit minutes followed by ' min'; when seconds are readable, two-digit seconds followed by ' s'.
4 h 31 min 58 s
